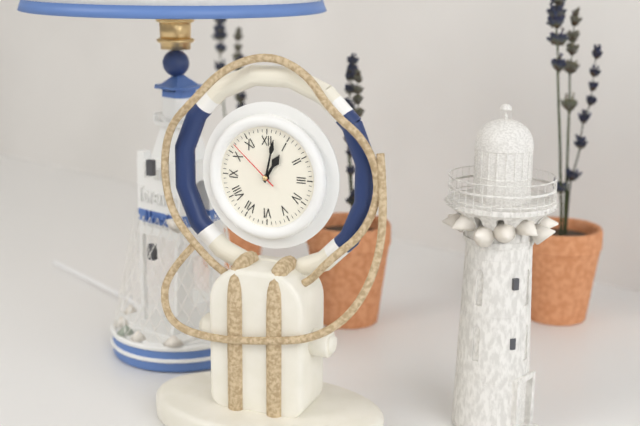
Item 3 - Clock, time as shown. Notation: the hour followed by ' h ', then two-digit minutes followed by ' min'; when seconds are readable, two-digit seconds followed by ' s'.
1 h 02 min 52 s
